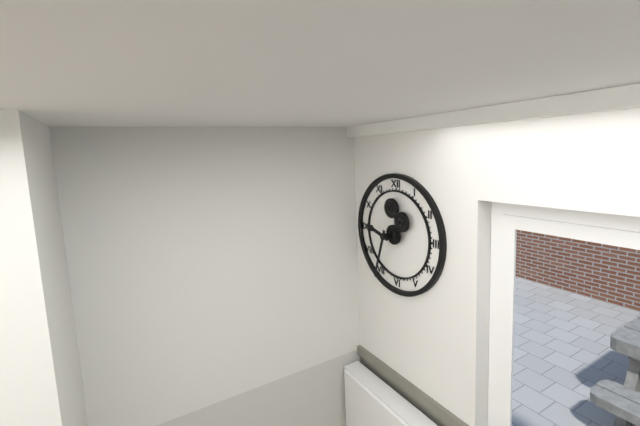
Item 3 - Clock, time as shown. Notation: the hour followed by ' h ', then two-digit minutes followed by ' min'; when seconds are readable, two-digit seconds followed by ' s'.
9 h 33 min
